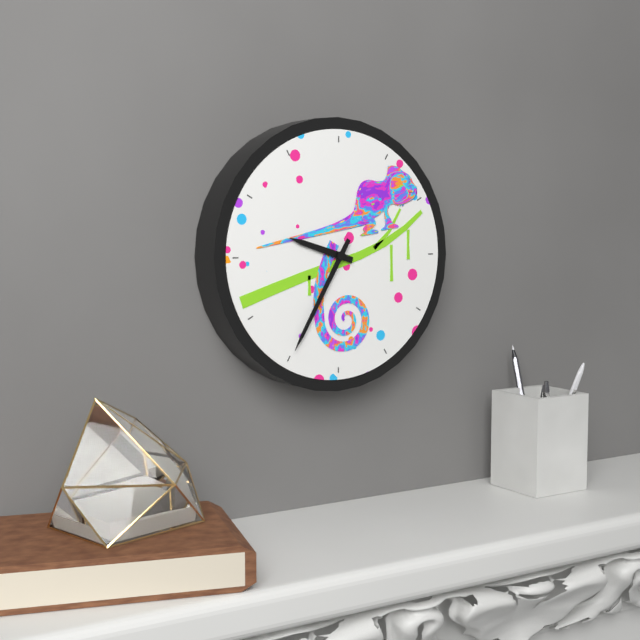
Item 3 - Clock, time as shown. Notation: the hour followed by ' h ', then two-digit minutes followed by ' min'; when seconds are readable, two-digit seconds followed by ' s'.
9 h 35 min
